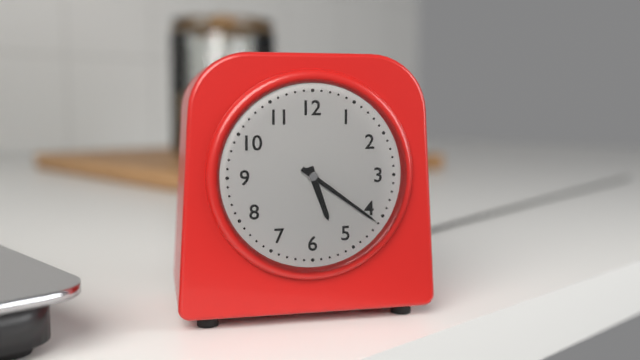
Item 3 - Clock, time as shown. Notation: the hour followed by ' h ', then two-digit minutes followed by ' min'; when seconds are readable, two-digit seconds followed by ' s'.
5 h 21 min
